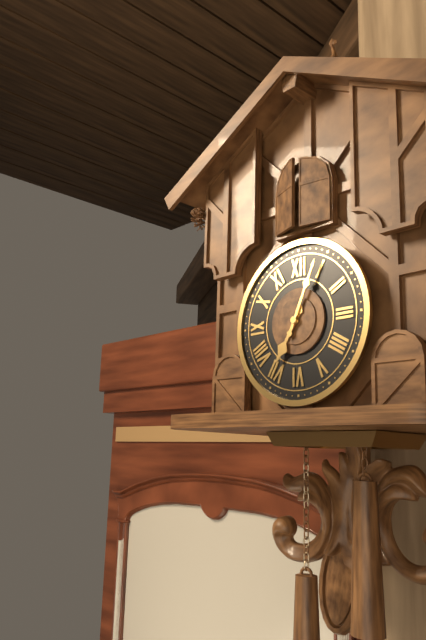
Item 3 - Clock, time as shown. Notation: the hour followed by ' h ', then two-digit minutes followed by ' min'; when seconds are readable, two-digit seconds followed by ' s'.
7 h 04 min
